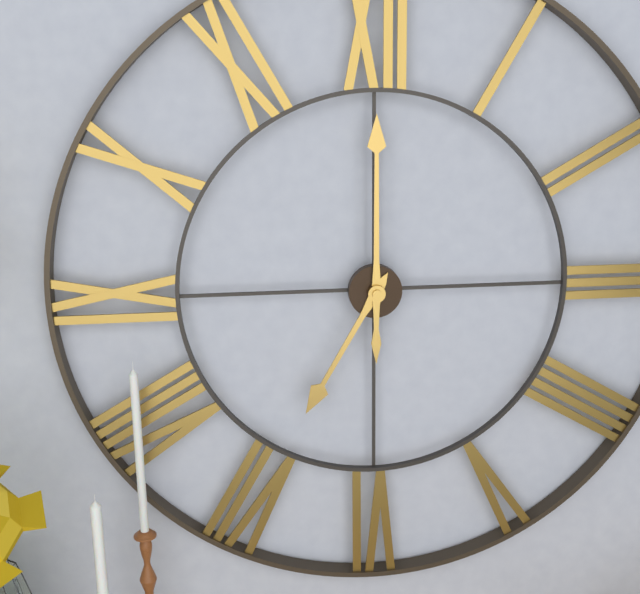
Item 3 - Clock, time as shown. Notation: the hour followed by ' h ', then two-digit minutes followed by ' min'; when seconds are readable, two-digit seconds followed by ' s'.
7 h 00 min
